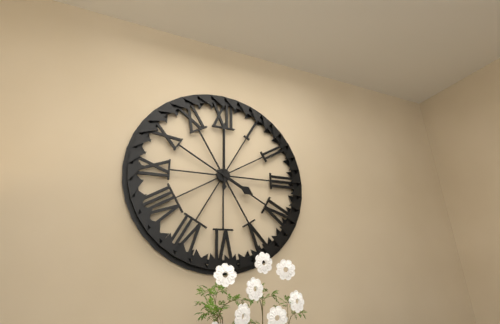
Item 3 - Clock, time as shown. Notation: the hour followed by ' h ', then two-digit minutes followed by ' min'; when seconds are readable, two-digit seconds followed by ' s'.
4 h 00 min
